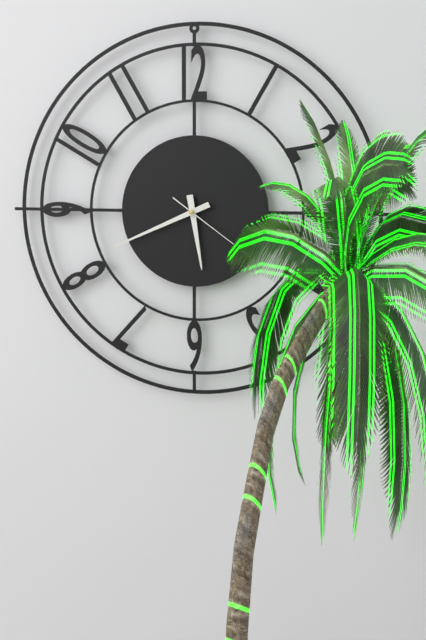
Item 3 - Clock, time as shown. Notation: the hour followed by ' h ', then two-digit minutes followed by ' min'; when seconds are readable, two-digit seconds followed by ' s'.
5 h 41 min 21 s
